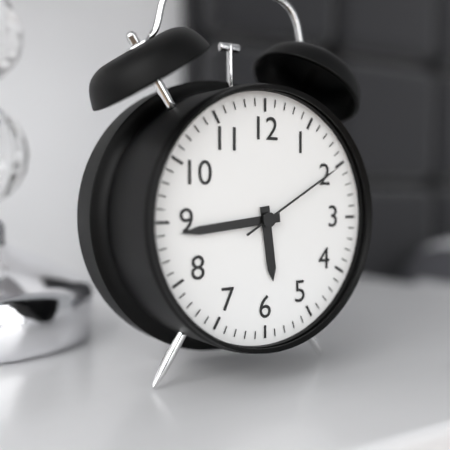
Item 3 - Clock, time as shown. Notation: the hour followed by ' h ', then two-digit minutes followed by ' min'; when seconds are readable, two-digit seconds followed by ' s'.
5 h 44 min 10 s
